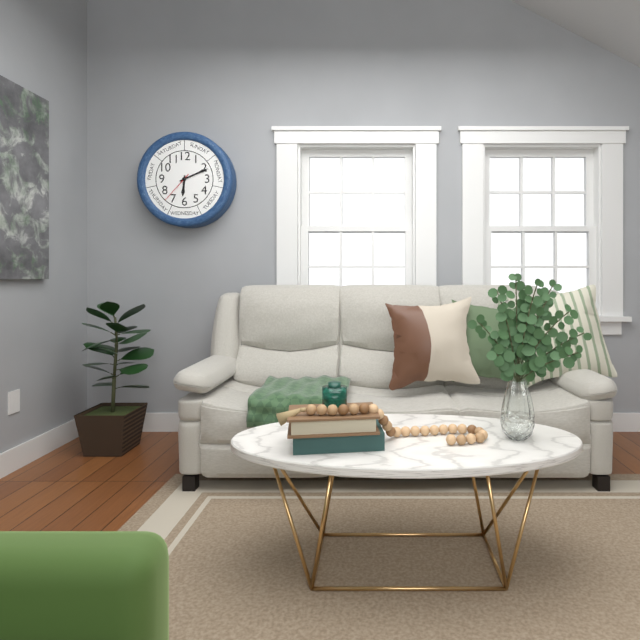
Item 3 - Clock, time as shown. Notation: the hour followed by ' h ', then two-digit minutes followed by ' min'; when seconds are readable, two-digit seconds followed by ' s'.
6 h 11 min
